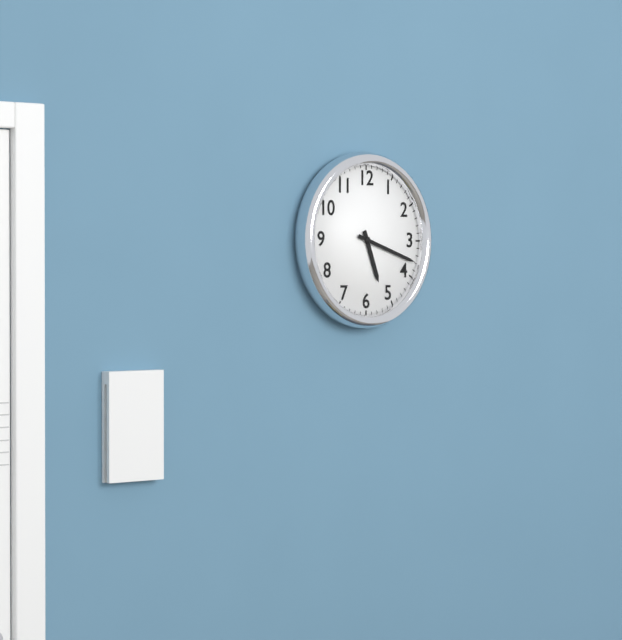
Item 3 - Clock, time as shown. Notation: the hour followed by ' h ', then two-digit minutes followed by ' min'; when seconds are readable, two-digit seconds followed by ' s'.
5 h 18 min
